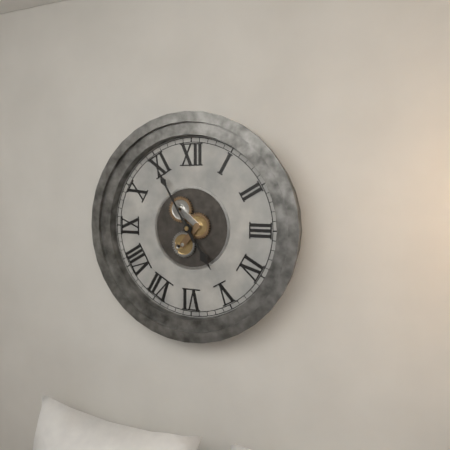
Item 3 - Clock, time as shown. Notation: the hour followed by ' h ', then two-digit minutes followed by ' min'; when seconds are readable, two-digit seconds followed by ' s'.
4 h 55 min
